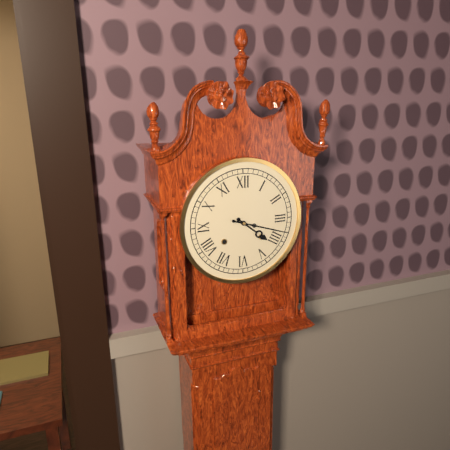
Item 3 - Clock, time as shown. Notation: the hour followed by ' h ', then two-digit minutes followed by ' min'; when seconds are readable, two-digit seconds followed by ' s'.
4 h 18 min
